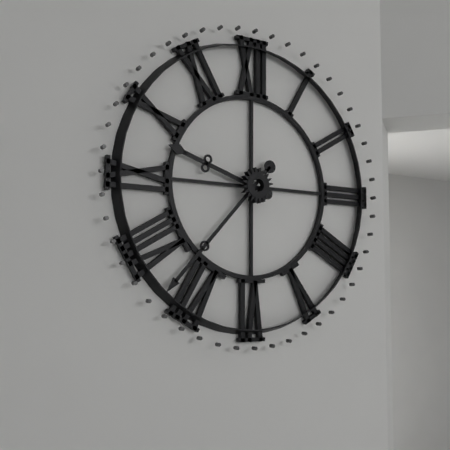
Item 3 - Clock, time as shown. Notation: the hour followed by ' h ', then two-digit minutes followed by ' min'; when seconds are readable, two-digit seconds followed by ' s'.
9 h 37 min
